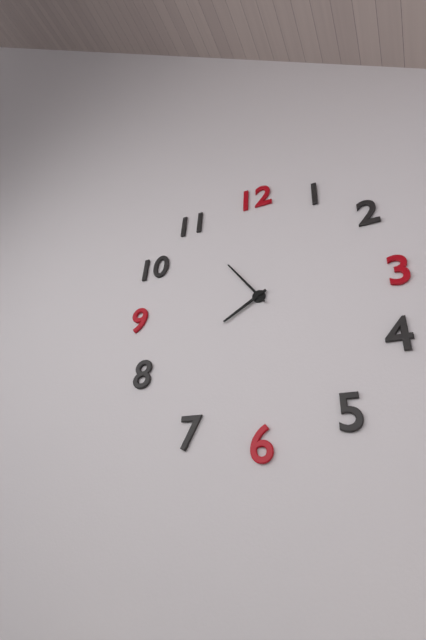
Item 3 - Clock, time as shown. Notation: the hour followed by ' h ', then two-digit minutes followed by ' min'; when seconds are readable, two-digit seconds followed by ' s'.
7 h 54 min
